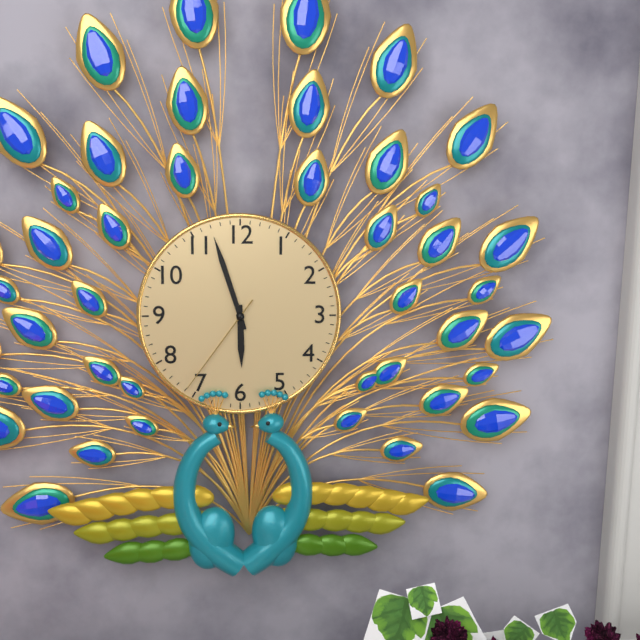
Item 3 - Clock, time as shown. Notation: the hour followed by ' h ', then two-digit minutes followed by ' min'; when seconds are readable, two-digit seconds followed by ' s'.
5 h 57 min 36 s
